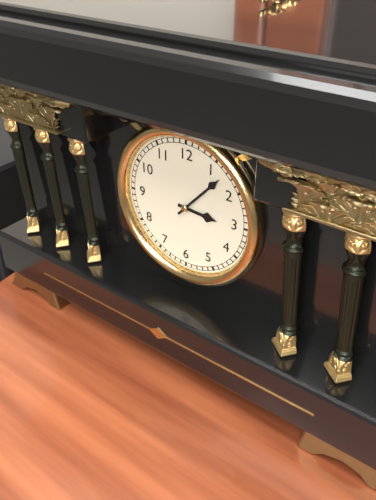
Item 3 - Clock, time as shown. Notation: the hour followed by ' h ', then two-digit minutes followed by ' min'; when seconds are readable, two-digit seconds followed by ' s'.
3 h 07 min
